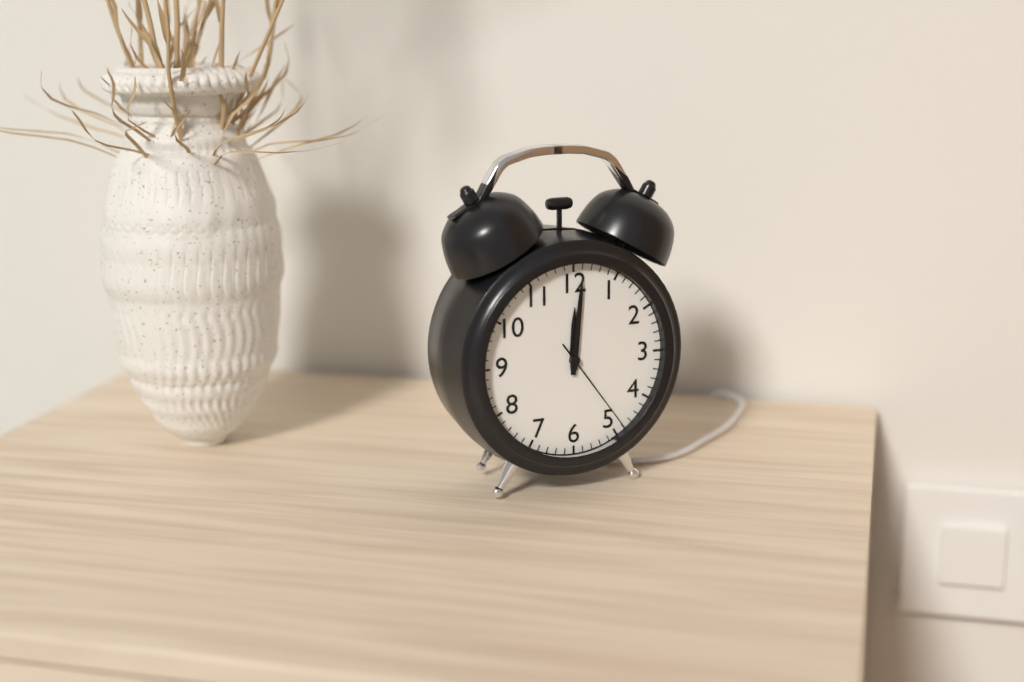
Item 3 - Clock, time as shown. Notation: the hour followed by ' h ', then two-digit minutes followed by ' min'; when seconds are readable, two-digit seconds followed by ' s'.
12 h 01 min 24 s
